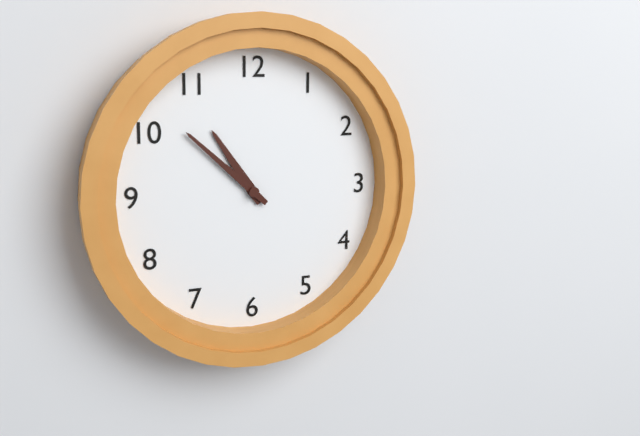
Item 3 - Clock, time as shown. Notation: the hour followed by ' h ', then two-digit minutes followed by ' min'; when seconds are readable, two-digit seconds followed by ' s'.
10 h 52 min
